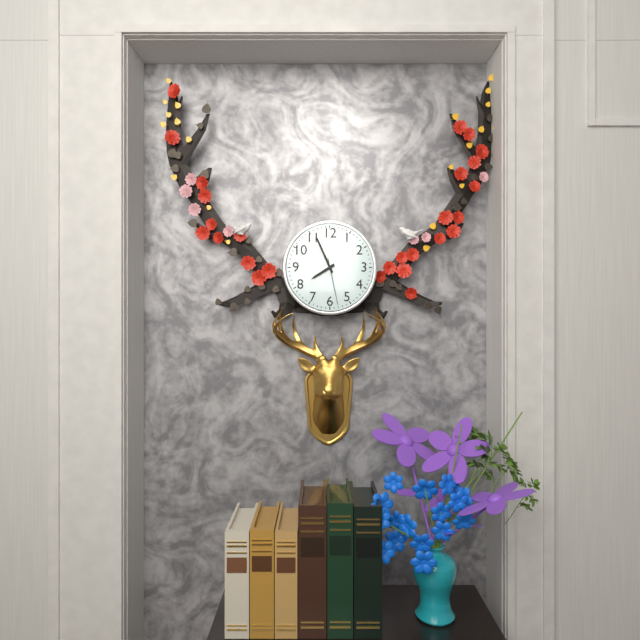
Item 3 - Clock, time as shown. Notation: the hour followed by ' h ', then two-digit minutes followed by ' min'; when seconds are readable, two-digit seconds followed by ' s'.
7 h 56 min
